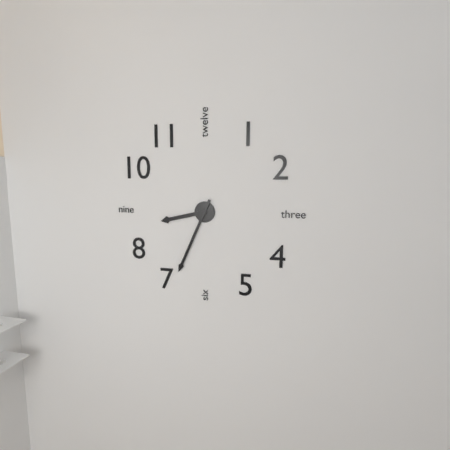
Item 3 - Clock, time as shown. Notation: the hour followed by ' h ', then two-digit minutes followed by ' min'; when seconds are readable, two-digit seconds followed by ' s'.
8 h 34 min
